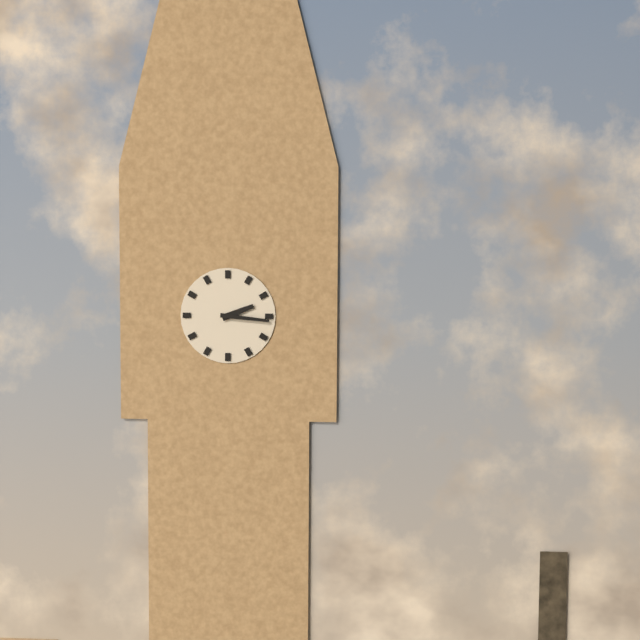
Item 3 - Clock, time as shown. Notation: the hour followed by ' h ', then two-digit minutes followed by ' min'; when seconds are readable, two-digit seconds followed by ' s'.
2 h 16 min
